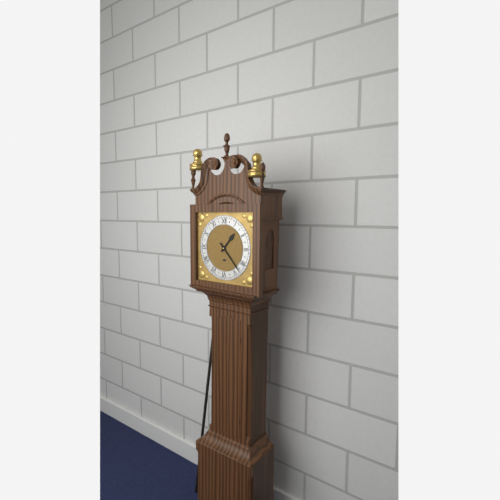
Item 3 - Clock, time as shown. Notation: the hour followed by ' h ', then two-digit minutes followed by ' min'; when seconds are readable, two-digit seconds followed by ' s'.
1 h 23 min
